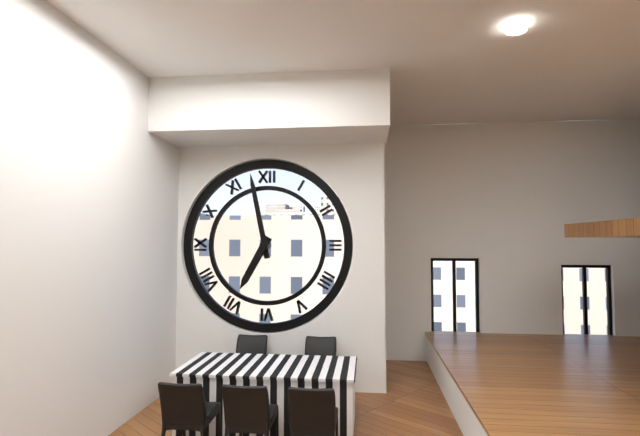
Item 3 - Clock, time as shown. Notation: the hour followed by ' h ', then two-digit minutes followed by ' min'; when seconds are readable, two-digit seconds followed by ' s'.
6 h 58 min
